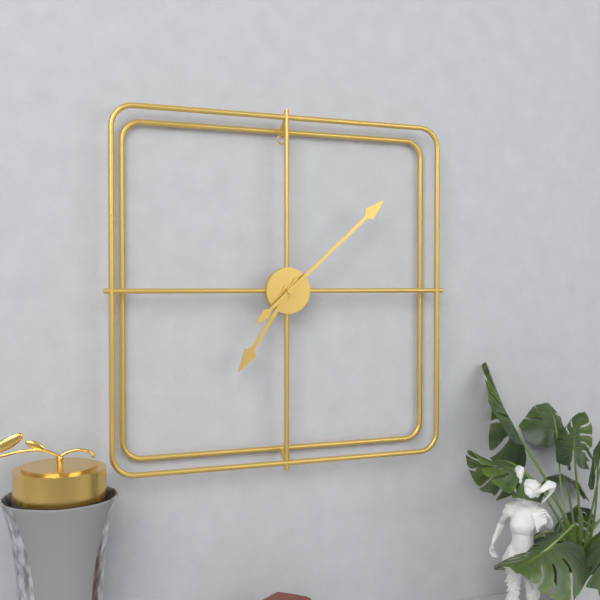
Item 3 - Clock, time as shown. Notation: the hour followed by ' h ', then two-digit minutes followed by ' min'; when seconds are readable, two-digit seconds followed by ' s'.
7 h 08 min
